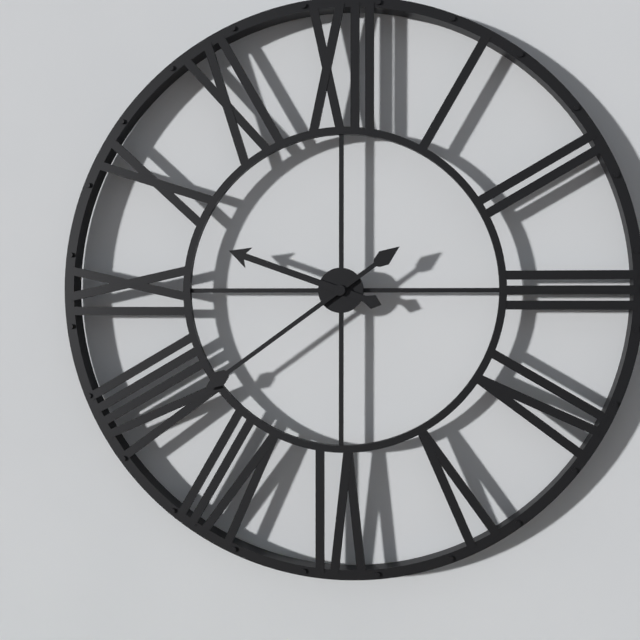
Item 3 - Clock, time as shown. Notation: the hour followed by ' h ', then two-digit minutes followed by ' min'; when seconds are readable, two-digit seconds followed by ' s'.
9 h 39 min
